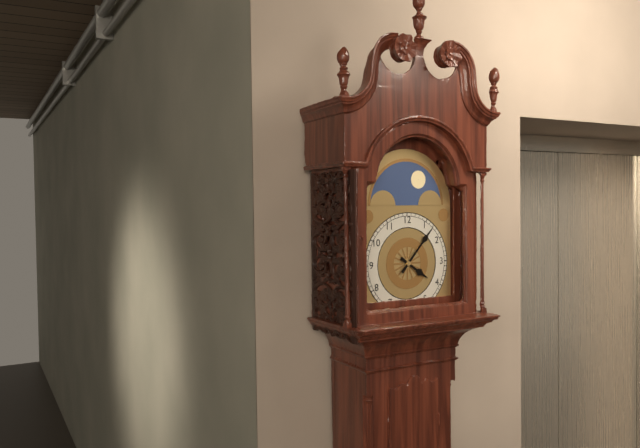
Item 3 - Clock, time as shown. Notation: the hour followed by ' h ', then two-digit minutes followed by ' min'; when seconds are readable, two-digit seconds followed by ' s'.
4 h 07 min
